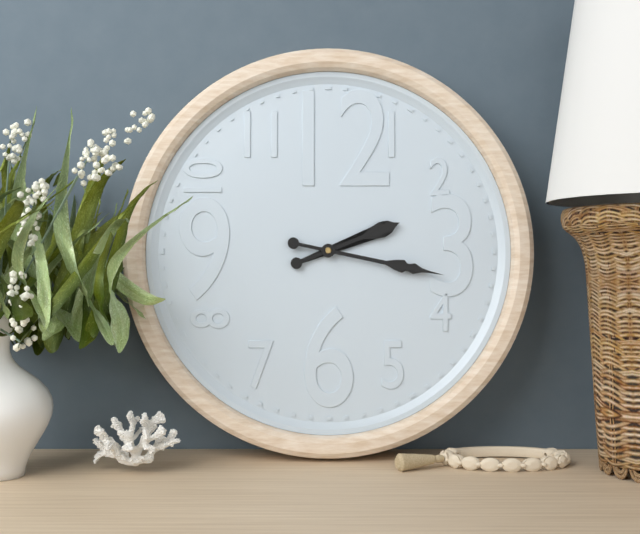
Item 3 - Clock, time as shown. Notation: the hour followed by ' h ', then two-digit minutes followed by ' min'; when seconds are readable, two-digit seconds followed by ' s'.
2 h 17 min
